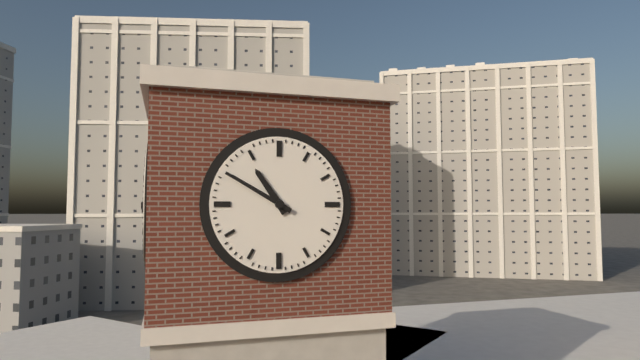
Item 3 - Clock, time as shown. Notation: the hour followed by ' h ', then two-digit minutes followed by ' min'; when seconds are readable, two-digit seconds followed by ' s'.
10 h 50 min
